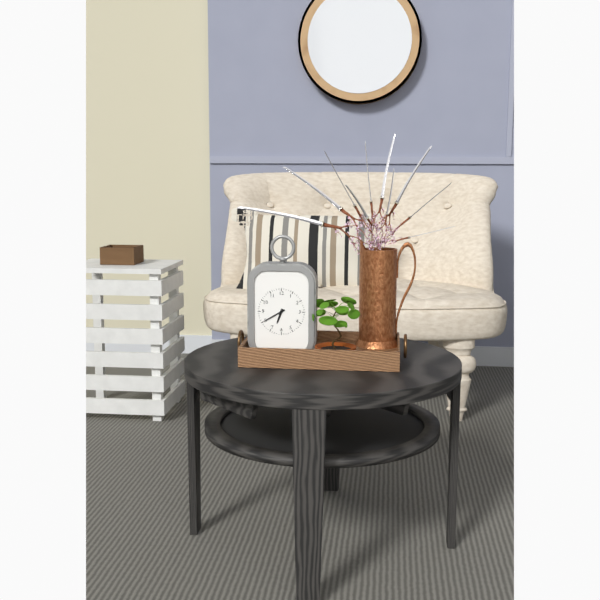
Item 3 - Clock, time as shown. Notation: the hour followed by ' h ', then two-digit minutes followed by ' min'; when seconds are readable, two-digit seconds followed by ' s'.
6 h 40 min
